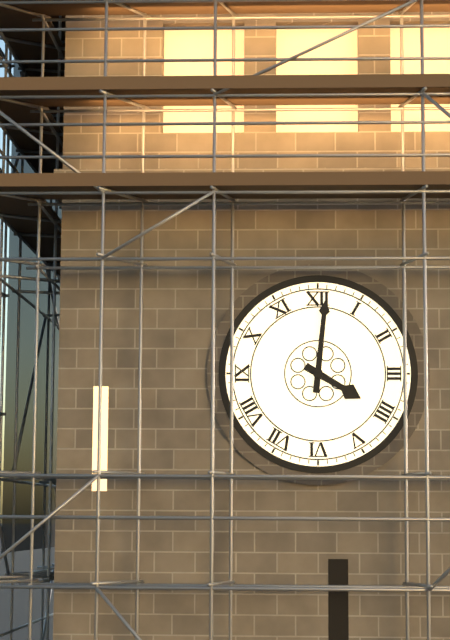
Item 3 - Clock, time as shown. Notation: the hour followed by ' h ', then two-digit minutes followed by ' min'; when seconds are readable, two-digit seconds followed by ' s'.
4 h 01 min
